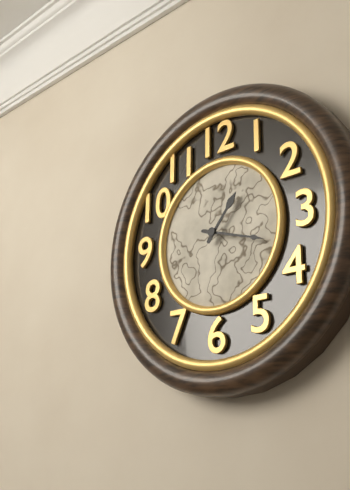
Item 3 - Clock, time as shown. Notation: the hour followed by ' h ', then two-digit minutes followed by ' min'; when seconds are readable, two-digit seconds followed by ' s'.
1 h 18 min
